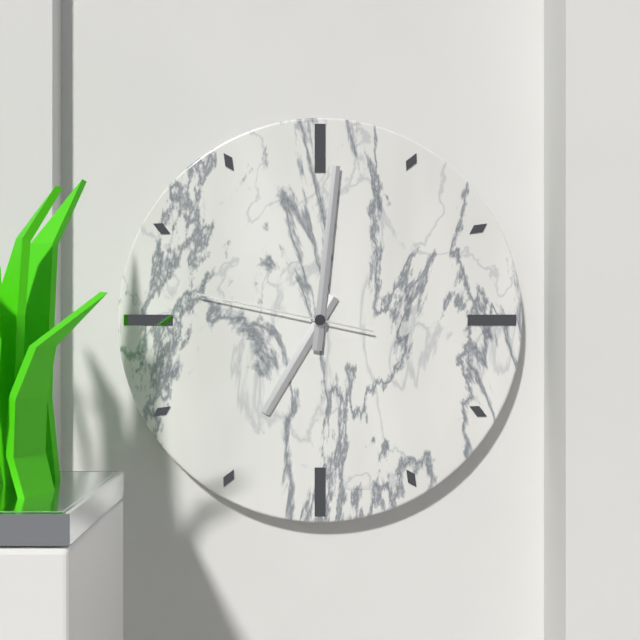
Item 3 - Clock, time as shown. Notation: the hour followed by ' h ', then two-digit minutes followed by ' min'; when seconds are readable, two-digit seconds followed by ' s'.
7 h 01 min 47 s
